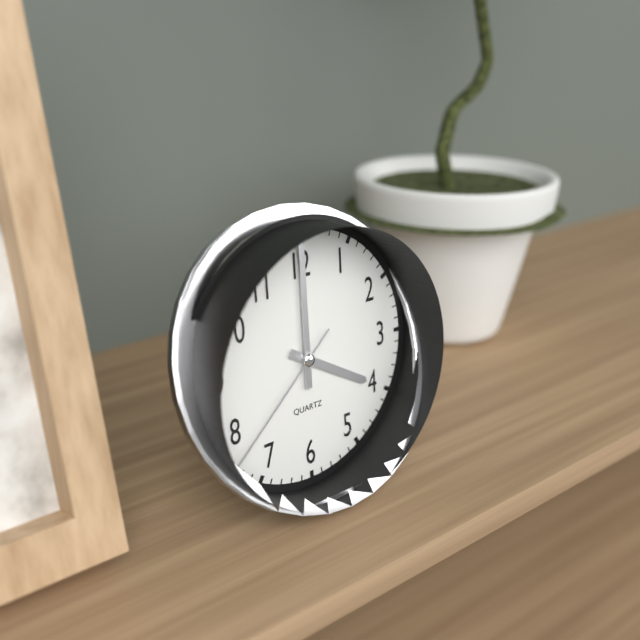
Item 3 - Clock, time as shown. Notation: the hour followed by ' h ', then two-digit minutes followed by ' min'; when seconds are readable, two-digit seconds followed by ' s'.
4 h 00 min 38 s
